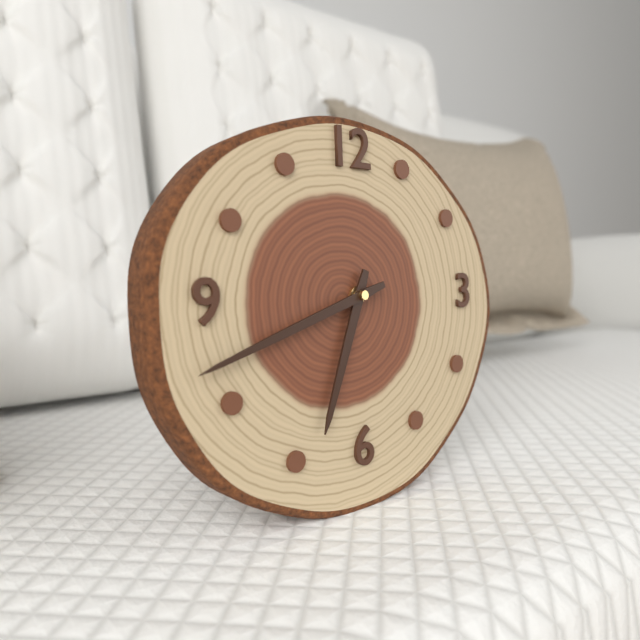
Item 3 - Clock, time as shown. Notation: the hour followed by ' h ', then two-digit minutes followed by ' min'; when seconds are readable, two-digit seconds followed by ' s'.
6 h 42 min
